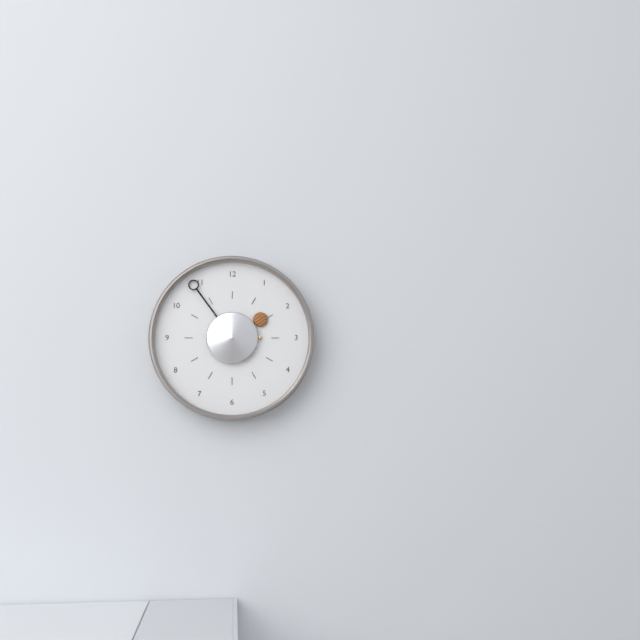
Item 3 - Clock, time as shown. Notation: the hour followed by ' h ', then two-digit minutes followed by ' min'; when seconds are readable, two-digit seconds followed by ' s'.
1 h 54 min
